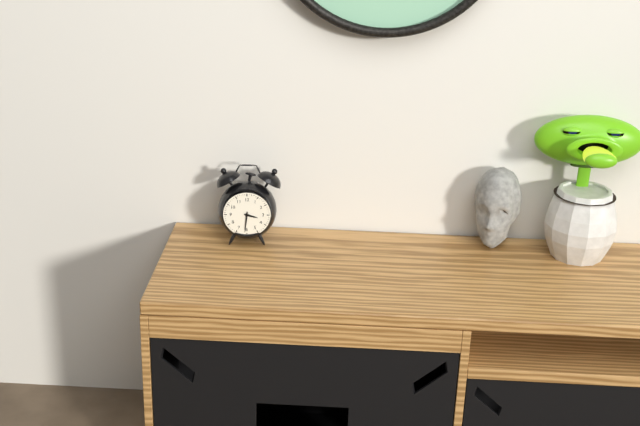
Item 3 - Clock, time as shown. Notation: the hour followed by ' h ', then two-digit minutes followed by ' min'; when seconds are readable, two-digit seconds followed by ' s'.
3 h 31 min
